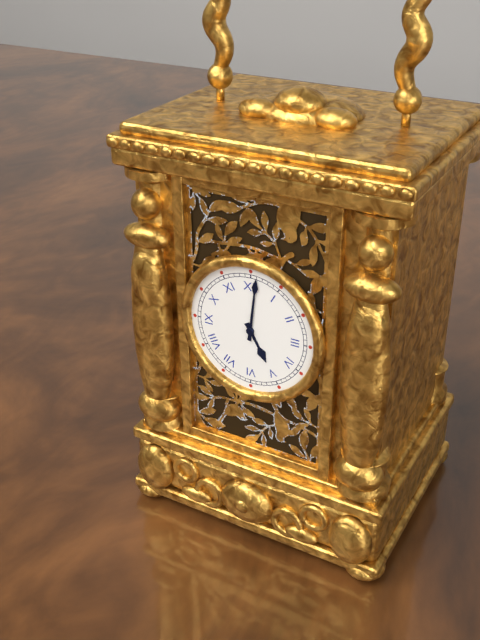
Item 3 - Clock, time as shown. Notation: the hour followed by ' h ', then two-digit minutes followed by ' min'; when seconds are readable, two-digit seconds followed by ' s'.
5 h 01 min
